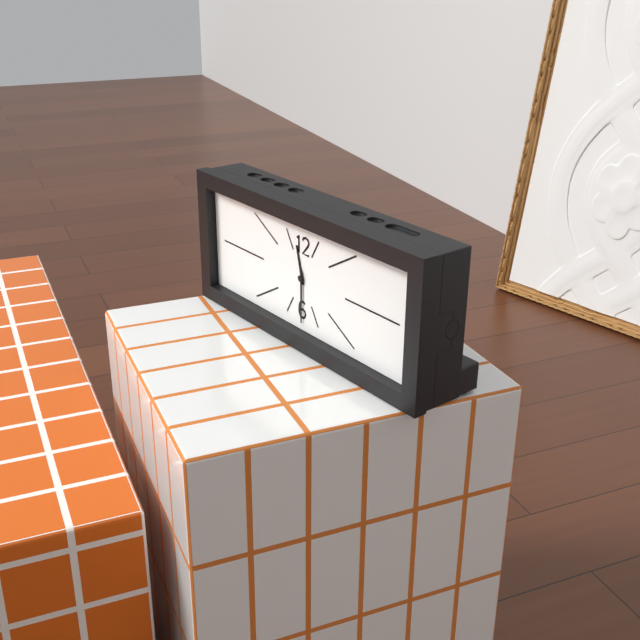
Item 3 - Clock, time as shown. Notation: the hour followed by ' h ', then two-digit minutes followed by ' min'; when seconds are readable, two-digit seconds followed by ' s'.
11 h 30 min
